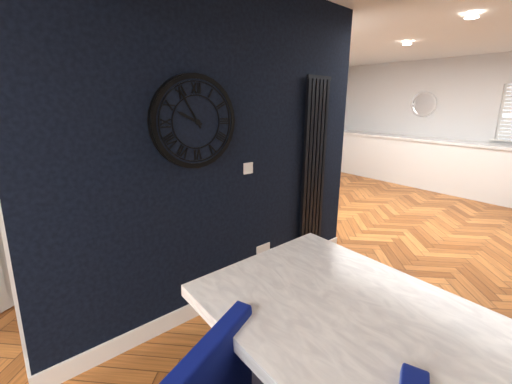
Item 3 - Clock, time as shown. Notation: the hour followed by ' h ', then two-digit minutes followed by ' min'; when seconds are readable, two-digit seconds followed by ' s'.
9 h 55 min
